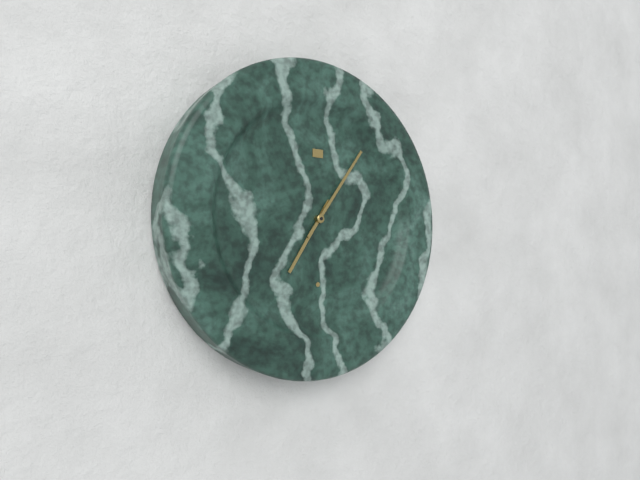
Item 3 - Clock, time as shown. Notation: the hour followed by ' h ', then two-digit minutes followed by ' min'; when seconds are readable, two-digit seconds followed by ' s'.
7 h 06 min
